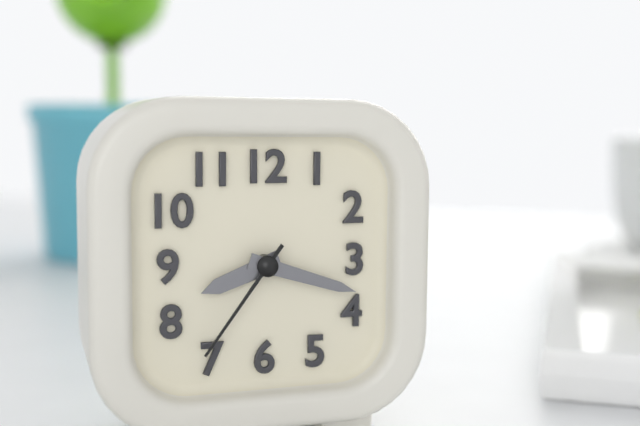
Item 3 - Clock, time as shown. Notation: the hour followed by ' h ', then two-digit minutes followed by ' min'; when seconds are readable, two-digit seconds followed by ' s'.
8 h 18 min 36 s
